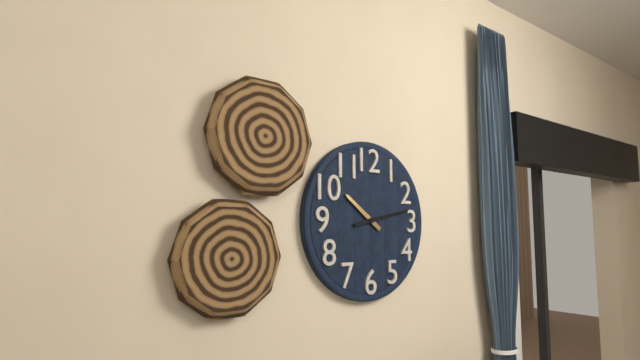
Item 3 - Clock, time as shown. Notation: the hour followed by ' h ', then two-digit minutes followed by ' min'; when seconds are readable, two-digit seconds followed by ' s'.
10 h 13 min
